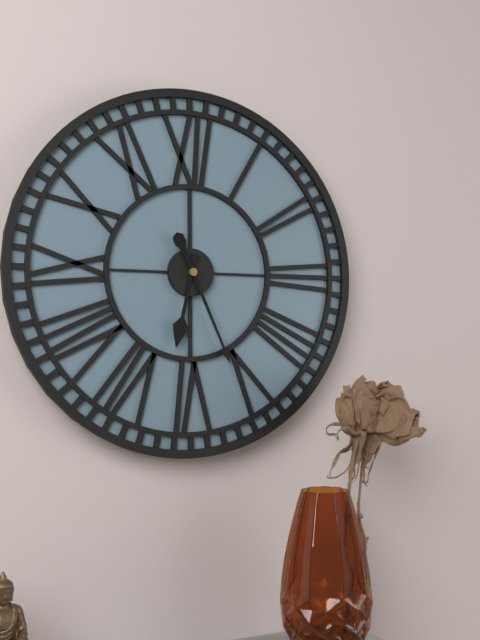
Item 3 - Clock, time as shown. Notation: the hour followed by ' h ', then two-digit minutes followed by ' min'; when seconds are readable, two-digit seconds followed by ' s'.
6 h 26 min
